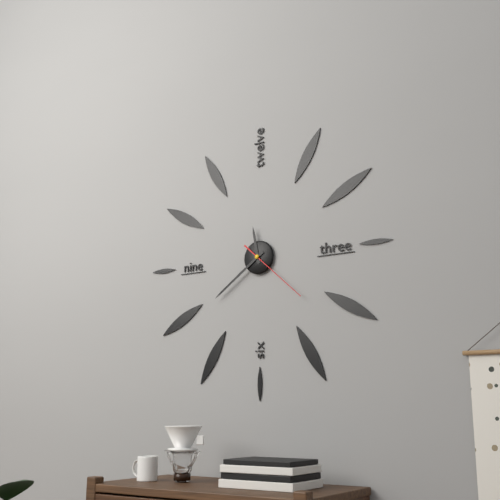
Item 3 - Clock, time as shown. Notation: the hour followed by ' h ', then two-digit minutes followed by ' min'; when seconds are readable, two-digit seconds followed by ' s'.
11 h 39 min 22 s
